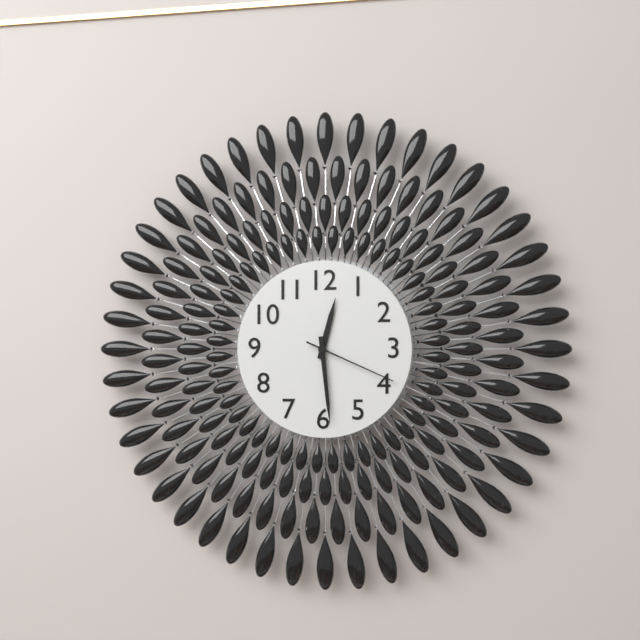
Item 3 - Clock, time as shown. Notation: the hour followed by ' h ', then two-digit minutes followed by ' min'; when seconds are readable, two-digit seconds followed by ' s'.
12 h 29 min 19 s
